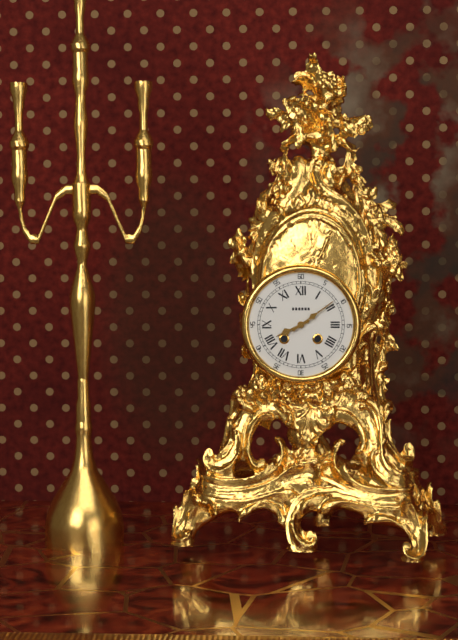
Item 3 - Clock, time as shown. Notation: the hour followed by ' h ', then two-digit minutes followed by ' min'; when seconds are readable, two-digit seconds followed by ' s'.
8 h 09 min
